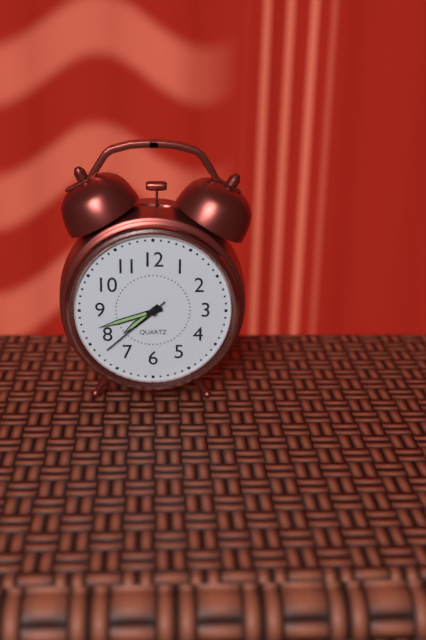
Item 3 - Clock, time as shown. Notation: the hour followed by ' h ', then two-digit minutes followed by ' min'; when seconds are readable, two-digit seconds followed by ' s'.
7 h 42 min 38 s
